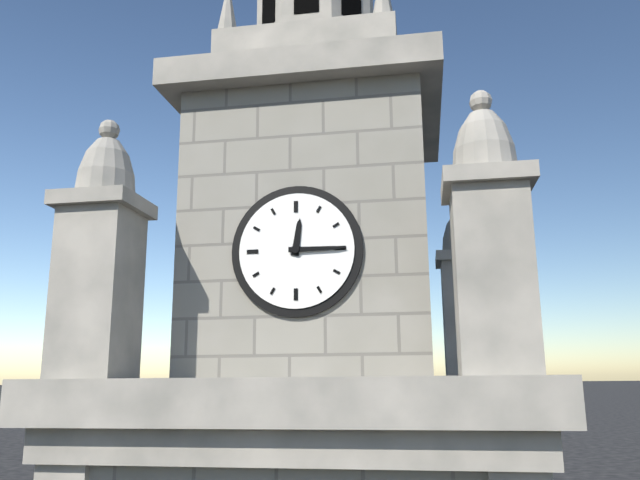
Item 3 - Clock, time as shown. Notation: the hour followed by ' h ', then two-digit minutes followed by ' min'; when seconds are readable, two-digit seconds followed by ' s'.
12 h 15 min
